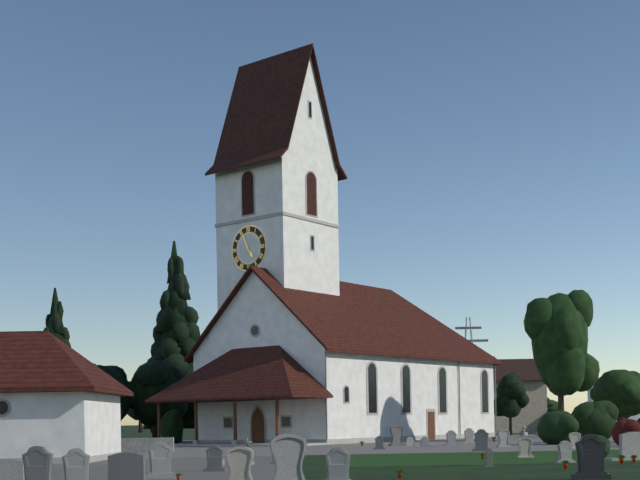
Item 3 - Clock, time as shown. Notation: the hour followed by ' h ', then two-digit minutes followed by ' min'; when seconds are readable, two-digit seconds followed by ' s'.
4 h 56 min
